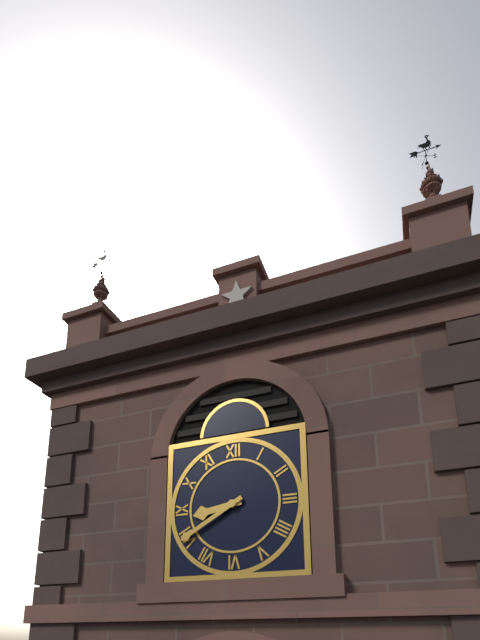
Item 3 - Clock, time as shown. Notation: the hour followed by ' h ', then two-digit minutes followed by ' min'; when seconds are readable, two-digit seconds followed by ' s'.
8 h 40 min
